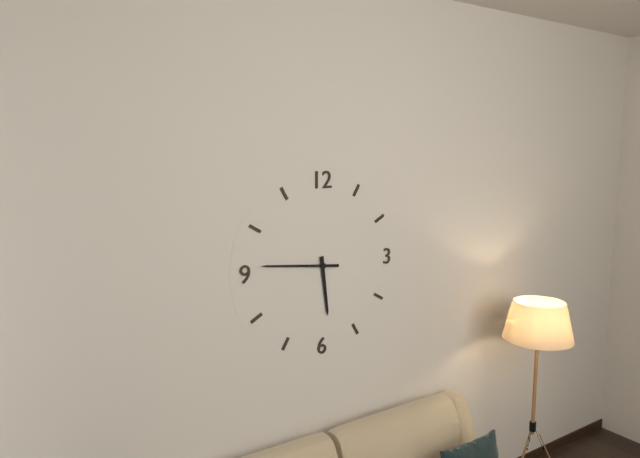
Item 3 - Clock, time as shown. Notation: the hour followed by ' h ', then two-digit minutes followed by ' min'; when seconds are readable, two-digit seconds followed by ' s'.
5 h 46 min
